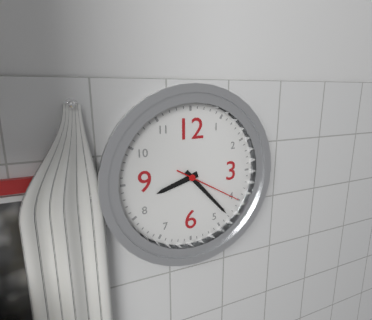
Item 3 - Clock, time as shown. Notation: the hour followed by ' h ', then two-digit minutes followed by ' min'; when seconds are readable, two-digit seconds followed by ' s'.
8 h 23 min 20 s
